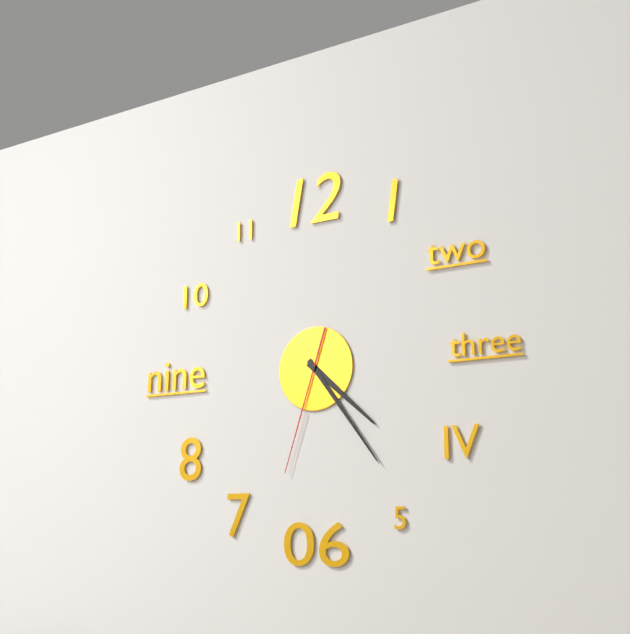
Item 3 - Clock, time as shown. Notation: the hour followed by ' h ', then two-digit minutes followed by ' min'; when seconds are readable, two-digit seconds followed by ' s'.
4 h 24 min 33 s
